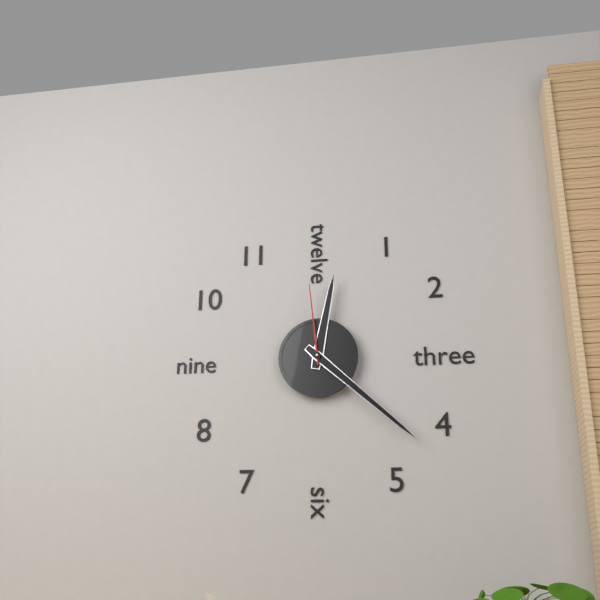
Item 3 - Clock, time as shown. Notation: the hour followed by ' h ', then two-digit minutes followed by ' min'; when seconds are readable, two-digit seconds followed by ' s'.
12 h 22 min 59 s
